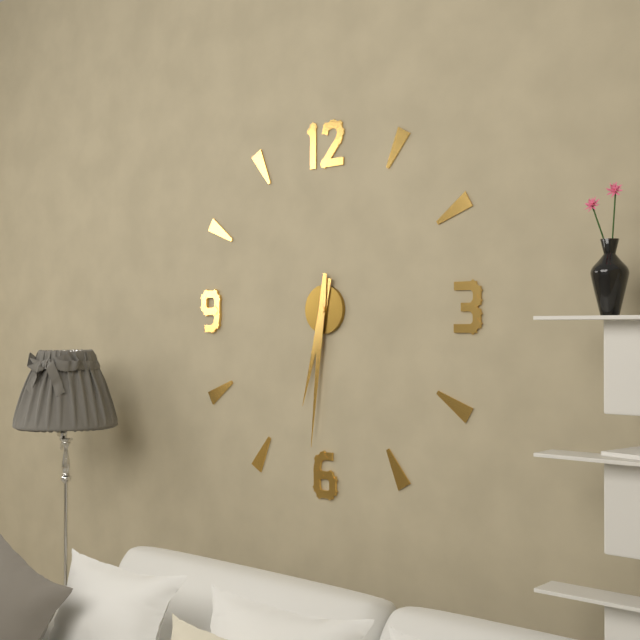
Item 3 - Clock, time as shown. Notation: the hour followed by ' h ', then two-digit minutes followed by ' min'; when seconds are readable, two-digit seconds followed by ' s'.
6 h 31 min
